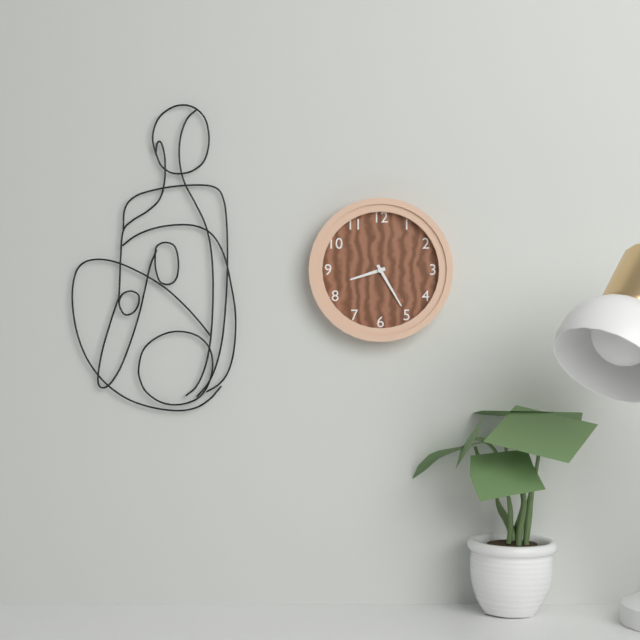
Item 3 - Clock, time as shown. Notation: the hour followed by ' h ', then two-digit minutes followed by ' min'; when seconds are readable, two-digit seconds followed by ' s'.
8 h 25 min
